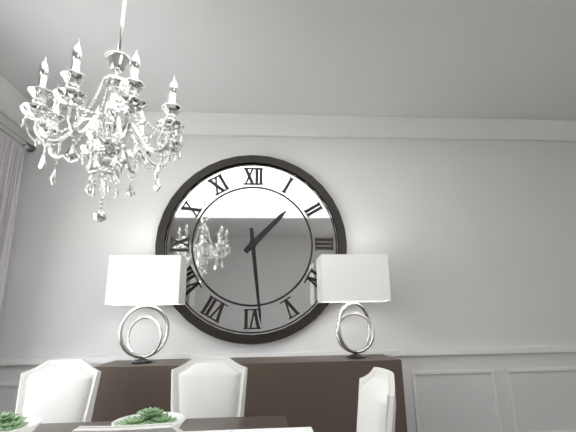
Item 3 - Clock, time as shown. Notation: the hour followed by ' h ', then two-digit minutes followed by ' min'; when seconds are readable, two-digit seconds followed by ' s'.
1 h 29 min
